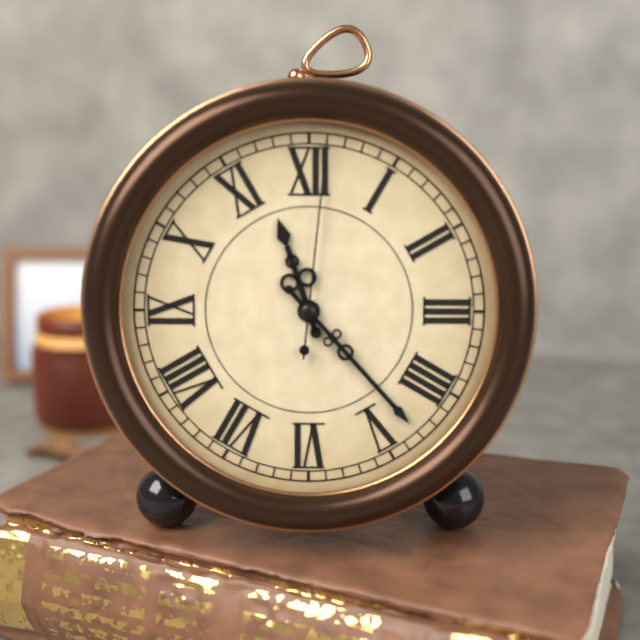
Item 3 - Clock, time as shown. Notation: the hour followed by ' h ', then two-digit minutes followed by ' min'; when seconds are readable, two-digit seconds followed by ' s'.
11 h 23 min 01 s
